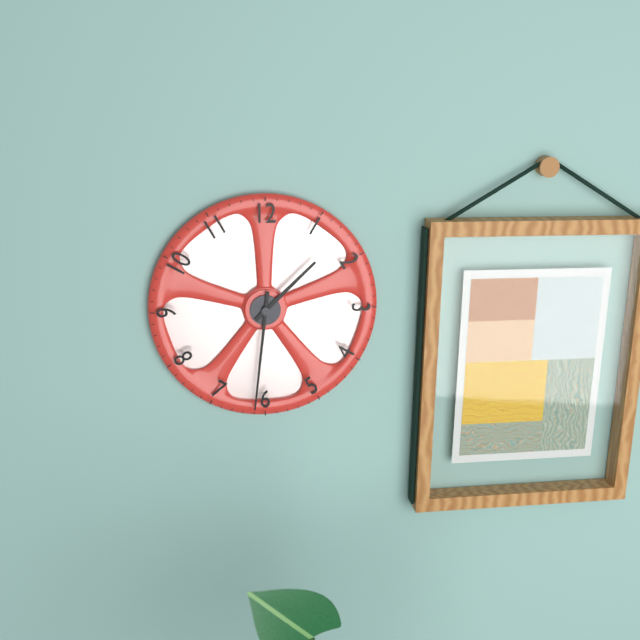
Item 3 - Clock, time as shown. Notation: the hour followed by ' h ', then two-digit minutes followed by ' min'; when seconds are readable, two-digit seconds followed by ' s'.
1 h 31 min
